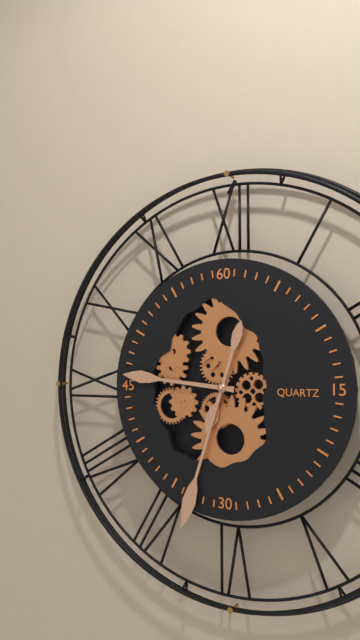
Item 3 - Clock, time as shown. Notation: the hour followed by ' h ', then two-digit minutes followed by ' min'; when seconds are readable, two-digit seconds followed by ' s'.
6 h 46 min 33 s
